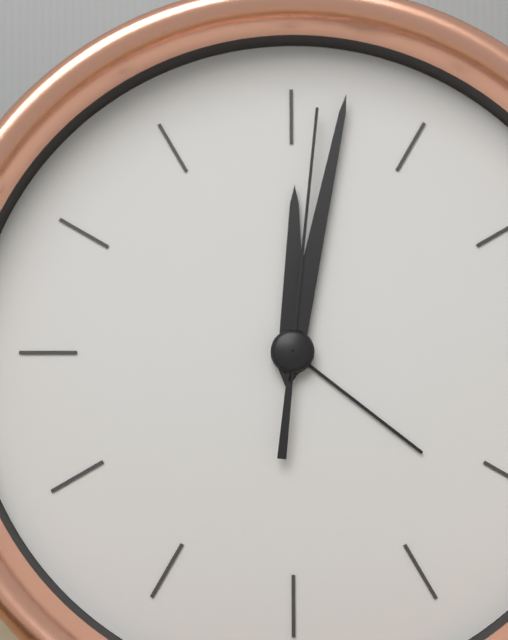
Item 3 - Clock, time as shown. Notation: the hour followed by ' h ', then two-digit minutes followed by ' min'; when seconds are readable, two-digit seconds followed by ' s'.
12 h 02 min 01 s
